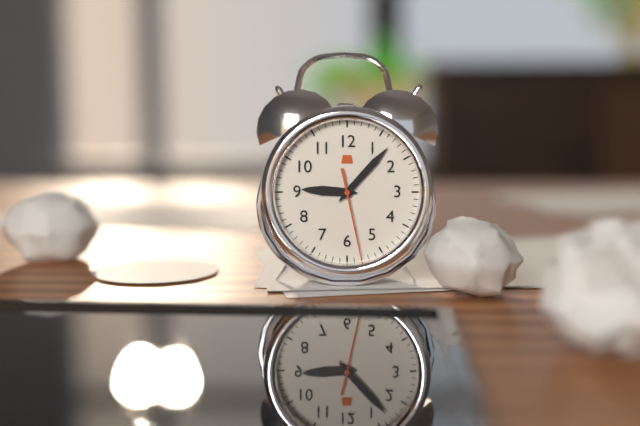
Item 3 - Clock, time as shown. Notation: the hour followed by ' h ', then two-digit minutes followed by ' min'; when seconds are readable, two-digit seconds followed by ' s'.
9 h 07 min 28 s
